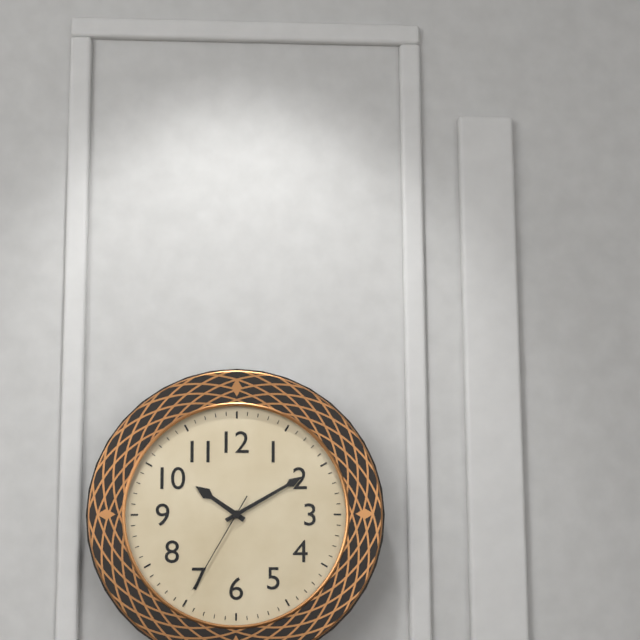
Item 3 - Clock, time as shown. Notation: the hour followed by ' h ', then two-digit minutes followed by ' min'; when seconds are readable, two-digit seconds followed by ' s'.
10 h 10 min 35 s
